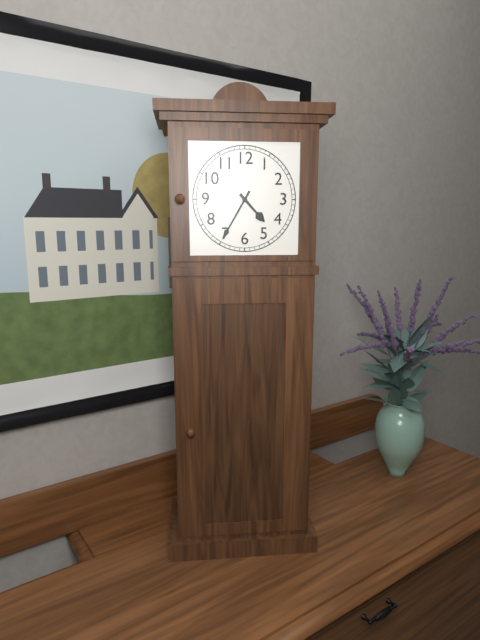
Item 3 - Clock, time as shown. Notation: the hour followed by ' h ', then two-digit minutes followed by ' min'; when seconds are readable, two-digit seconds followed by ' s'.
4 h 35 min
